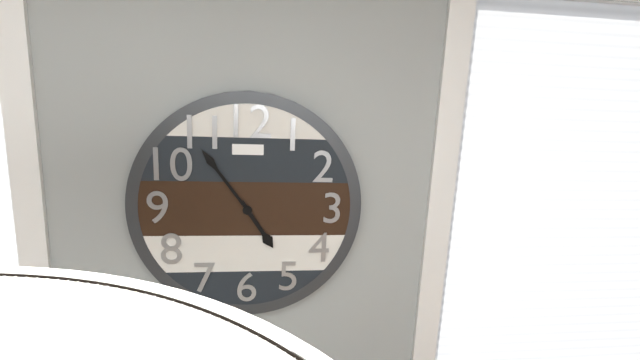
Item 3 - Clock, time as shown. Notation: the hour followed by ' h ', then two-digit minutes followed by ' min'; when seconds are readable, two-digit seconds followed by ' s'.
4 h 54 min
